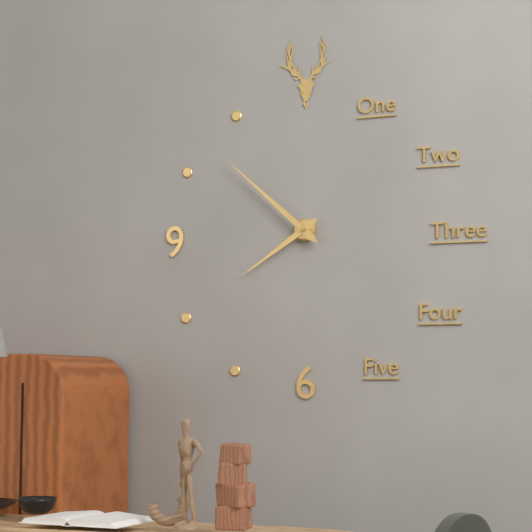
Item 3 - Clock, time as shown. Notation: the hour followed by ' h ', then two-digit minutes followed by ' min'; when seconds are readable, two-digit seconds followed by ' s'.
7 h 52 min
